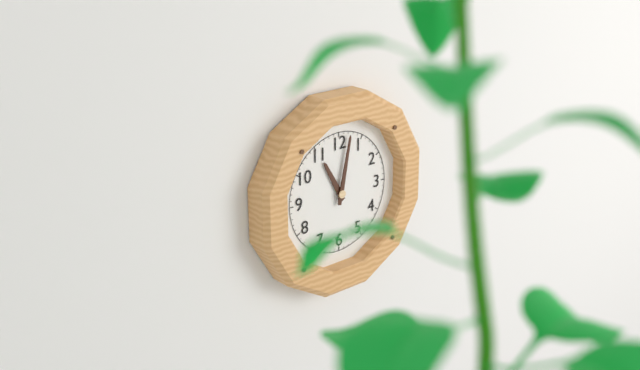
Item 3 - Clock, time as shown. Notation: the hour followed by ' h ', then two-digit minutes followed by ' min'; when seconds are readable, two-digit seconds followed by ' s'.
11 h 02 min
